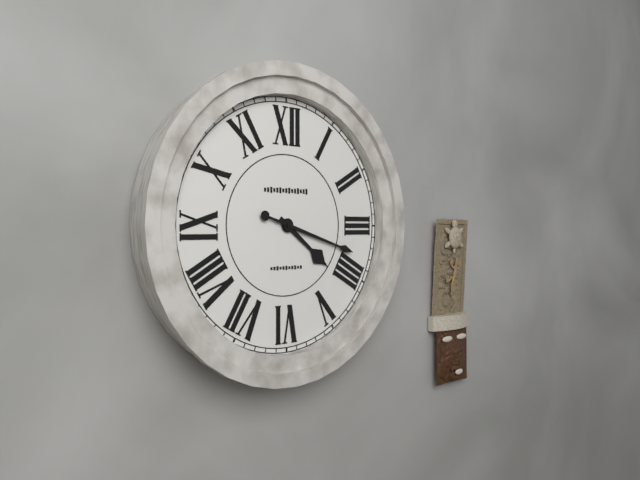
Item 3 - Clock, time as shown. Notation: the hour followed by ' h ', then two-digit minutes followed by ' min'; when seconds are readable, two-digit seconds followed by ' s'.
4 h 18 min
